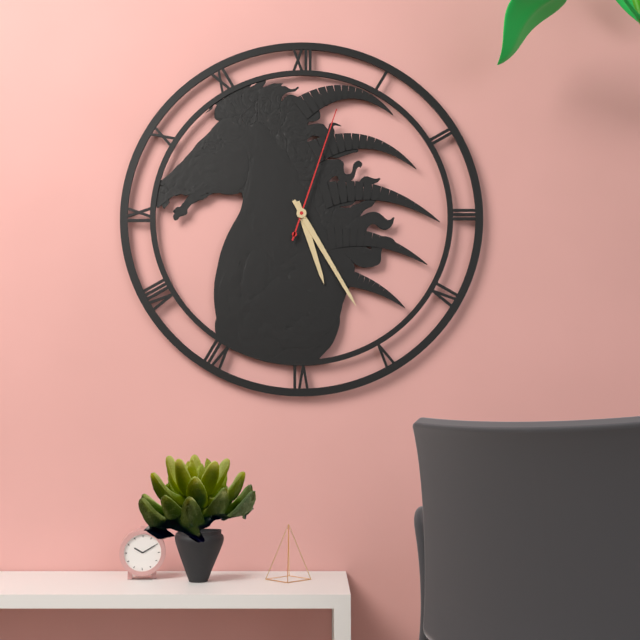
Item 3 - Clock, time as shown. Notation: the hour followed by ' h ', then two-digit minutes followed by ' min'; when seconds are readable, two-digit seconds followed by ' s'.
5 h 25 min 03 s
